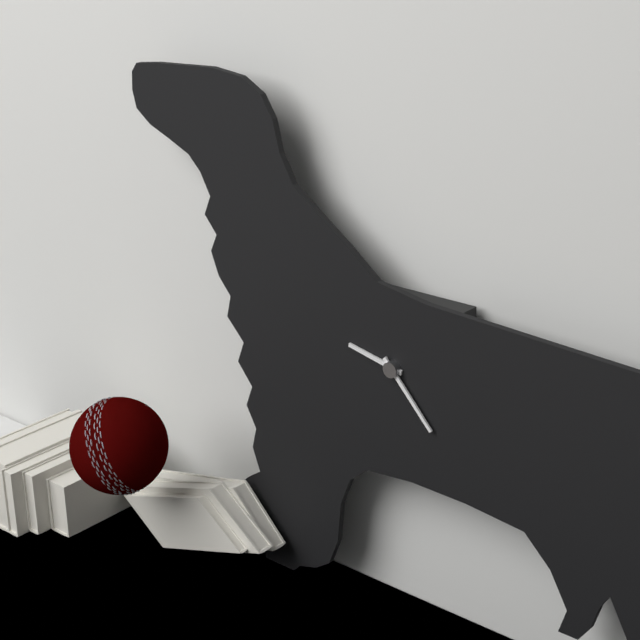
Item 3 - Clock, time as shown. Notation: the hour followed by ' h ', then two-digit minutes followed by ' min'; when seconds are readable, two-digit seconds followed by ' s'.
9 h 23 min
